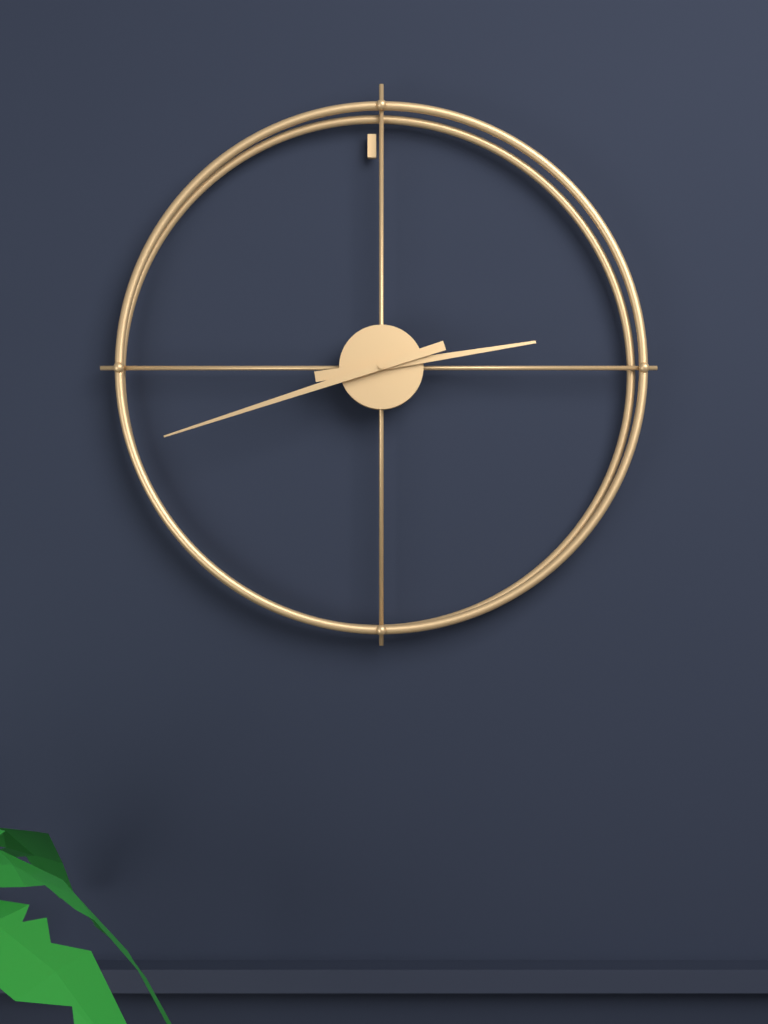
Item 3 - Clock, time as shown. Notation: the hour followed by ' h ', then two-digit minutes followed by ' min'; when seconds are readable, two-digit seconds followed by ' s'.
2 h 42 min
